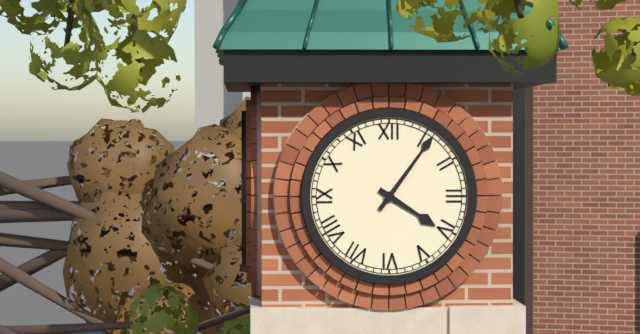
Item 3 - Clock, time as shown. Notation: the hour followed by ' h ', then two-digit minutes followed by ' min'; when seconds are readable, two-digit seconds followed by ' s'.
4 h 06 min
